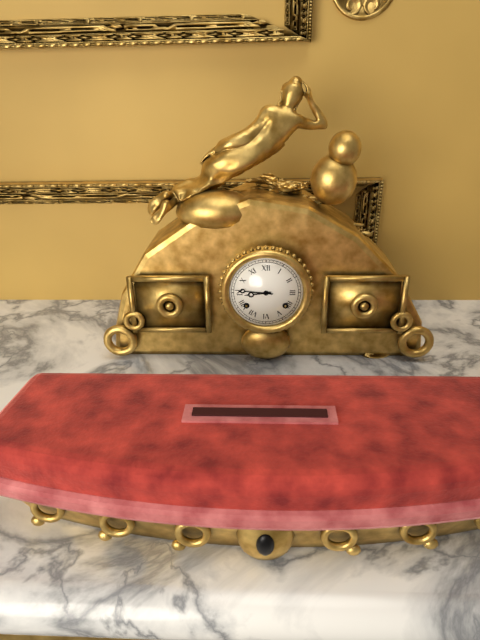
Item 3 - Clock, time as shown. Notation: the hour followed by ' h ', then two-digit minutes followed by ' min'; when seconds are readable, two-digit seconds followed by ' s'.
8 h 46 min
